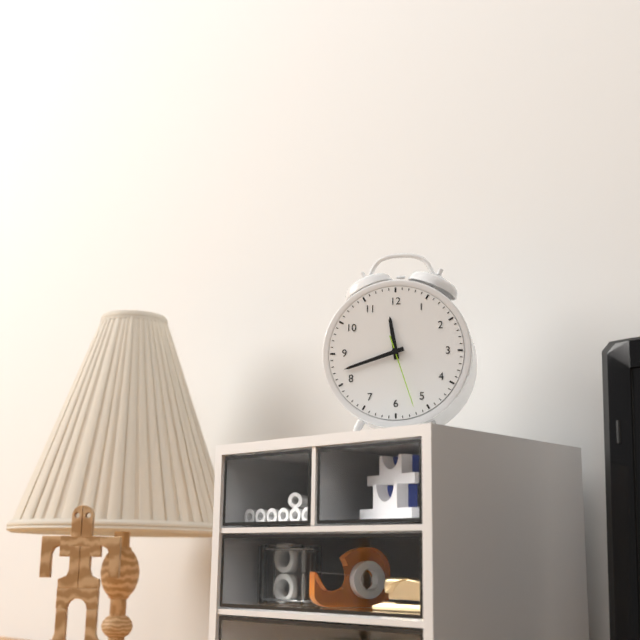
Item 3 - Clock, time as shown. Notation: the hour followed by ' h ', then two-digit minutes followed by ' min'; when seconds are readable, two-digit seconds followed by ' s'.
11 h 42 min 27 s
